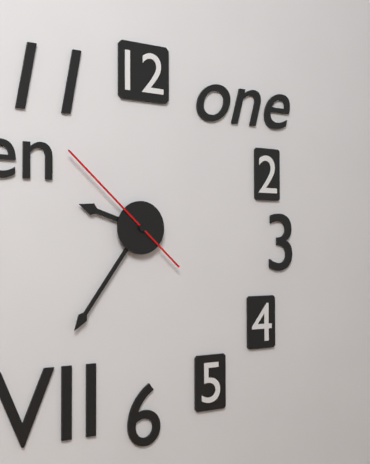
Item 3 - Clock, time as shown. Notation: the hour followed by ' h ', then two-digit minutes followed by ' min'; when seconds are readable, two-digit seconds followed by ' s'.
9 h 36 min 52 s
